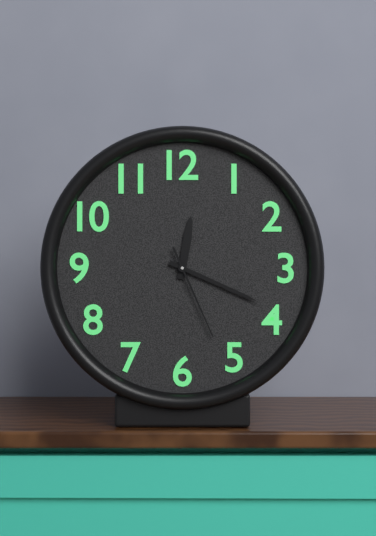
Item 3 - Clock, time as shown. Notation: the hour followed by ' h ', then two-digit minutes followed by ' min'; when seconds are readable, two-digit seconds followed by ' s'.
12 h 19 min 26 s
